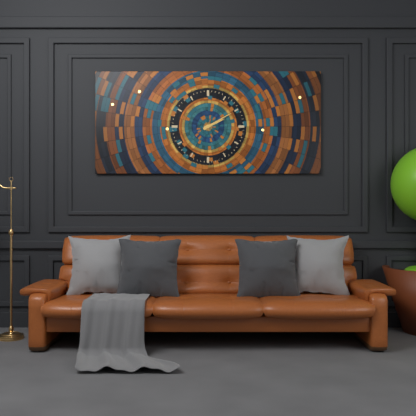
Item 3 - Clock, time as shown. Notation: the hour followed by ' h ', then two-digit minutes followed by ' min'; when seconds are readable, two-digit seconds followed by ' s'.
2 h 10 min
